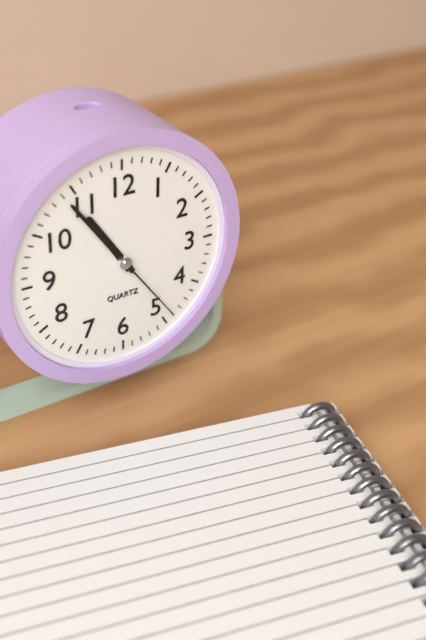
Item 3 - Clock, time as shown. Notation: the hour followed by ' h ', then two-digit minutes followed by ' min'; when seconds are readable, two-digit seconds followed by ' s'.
10 h 54 min 24 s
